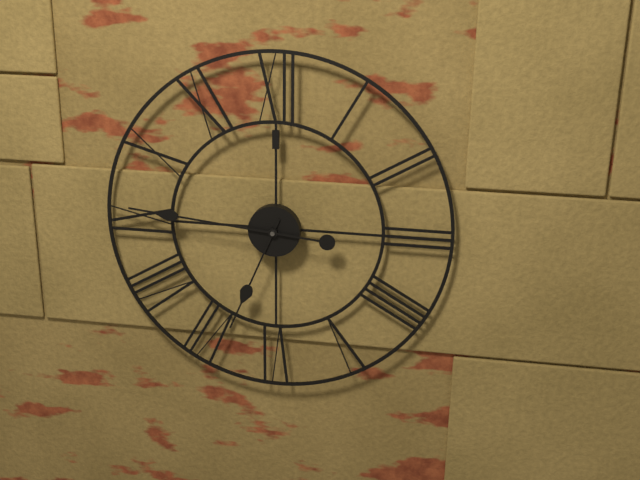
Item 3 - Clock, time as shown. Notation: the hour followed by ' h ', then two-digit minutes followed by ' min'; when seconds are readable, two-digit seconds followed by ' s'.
6 h 46 min
